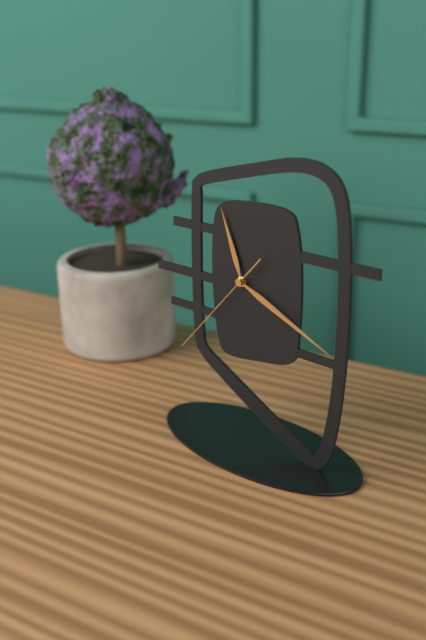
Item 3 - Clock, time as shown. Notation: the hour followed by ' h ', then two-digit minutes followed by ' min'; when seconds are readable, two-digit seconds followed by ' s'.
11 h 19 min 37 s
